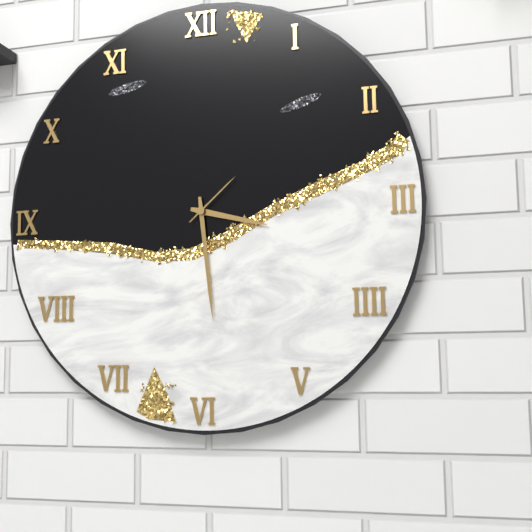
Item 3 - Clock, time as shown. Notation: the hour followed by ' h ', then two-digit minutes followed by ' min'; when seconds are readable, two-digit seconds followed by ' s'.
3 h 29 min 08 s
